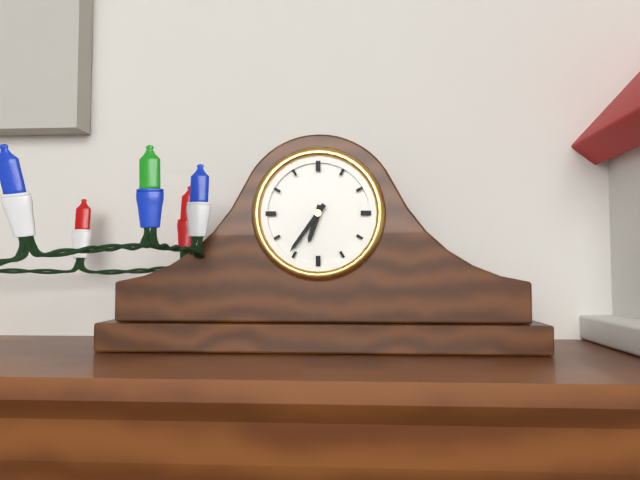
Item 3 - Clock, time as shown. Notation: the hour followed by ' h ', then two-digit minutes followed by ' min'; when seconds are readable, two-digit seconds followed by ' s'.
6 h 36 min
